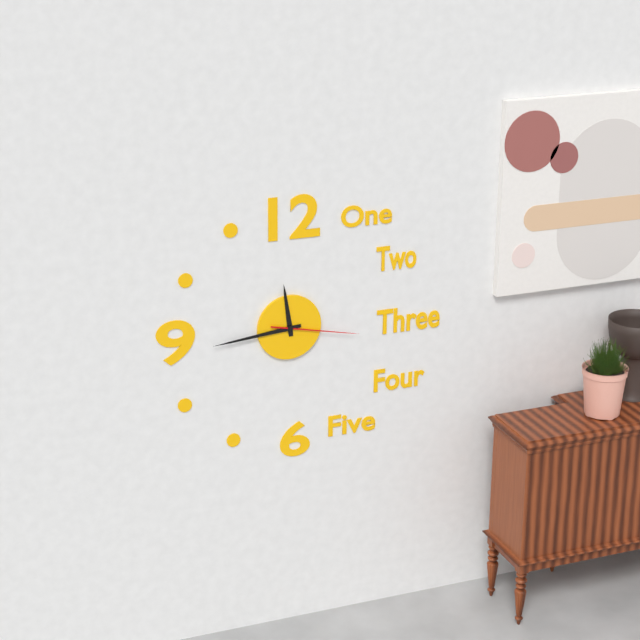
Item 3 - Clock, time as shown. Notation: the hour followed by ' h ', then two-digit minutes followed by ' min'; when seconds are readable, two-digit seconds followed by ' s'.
11 h 44 min 17 s
